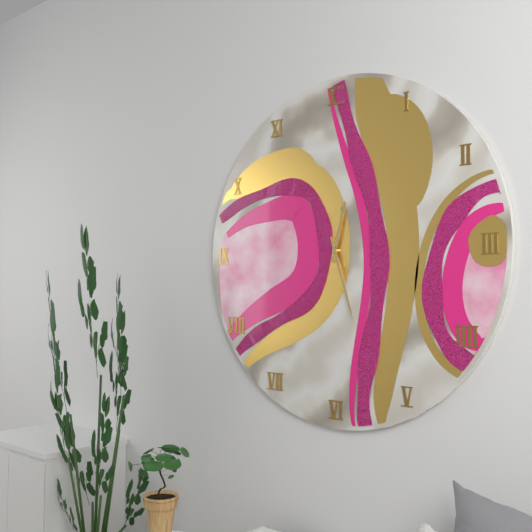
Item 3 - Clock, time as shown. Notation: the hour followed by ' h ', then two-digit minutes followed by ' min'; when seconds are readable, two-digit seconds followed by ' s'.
12 h 27 min
